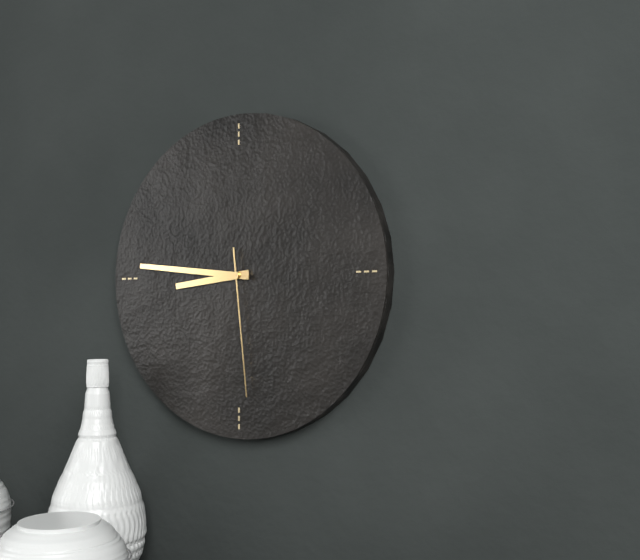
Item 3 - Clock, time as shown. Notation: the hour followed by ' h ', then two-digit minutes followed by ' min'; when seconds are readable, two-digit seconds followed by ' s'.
8 h 46 min 29 s
